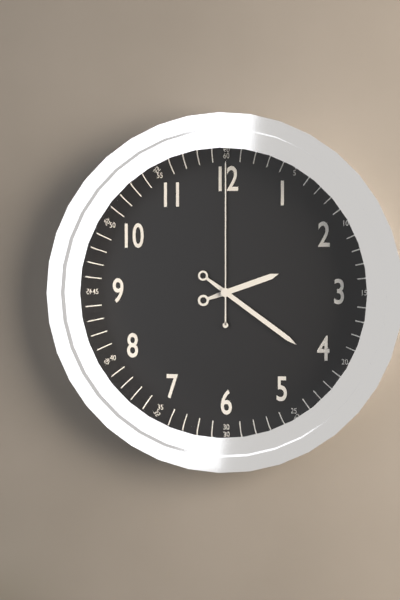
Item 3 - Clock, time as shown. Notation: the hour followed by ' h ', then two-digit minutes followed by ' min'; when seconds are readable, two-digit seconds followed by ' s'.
2 h 21 min 00 s
